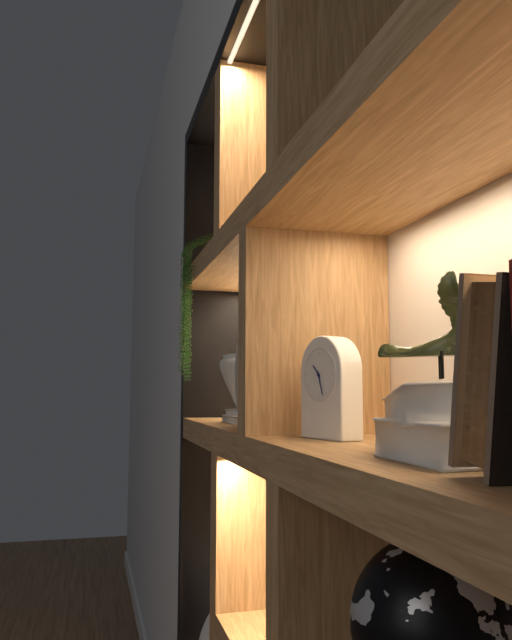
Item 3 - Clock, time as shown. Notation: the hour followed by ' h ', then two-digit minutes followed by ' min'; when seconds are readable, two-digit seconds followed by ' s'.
10 h 27 min
